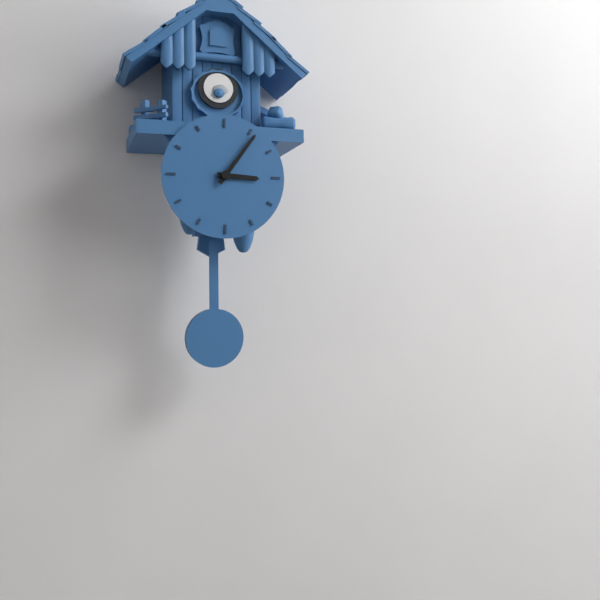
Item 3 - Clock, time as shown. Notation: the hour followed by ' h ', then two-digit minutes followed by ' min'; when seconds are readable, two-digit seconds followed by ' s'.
3 h 06 min
